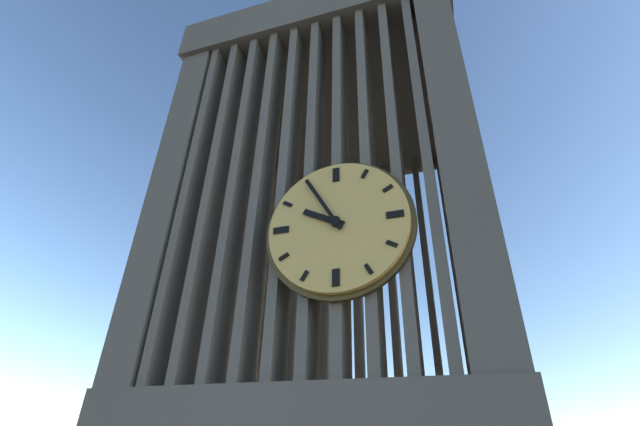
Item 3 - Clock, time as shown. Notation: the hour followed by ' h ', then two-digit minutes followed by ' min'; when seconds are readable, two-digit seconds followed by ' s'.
9 h 55 min
